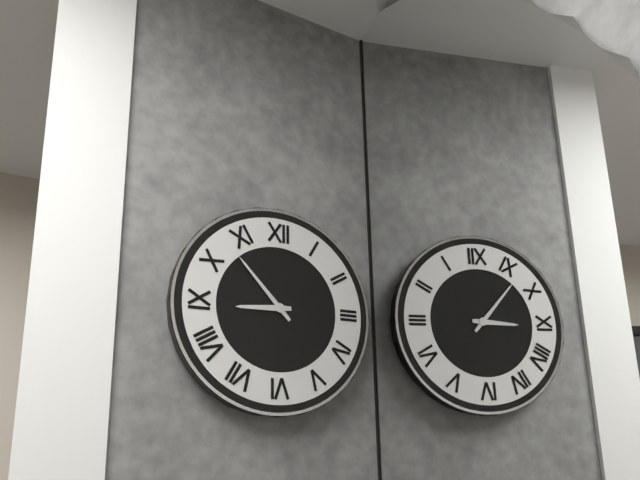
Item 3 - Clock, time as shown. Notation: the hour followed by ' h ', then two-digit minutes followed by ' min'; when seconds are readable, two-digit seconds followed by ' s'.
8 h 53 min
